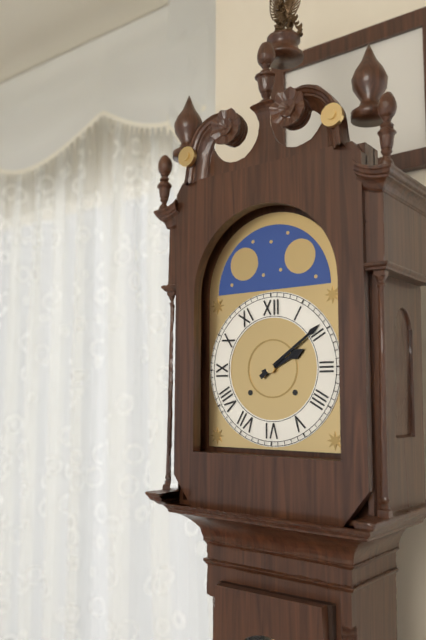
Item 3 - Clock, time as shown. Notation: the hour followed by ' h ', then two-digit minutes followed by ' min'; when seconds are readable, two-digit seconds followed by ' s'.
2 h 09 min
